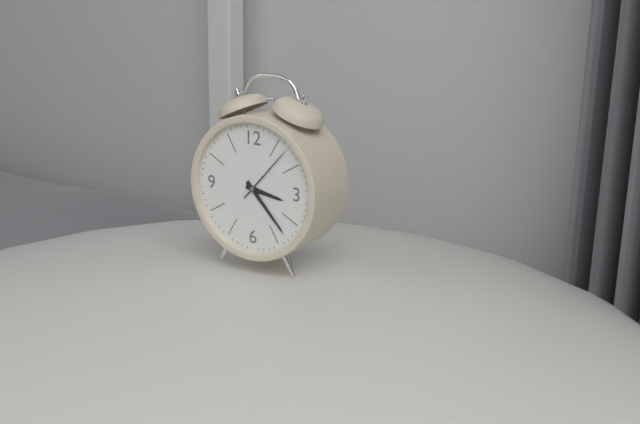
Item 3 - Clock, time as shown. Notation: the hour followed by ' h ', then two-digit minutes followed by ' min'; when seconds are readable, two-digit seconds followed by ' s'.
3 h 23 min 07 s
